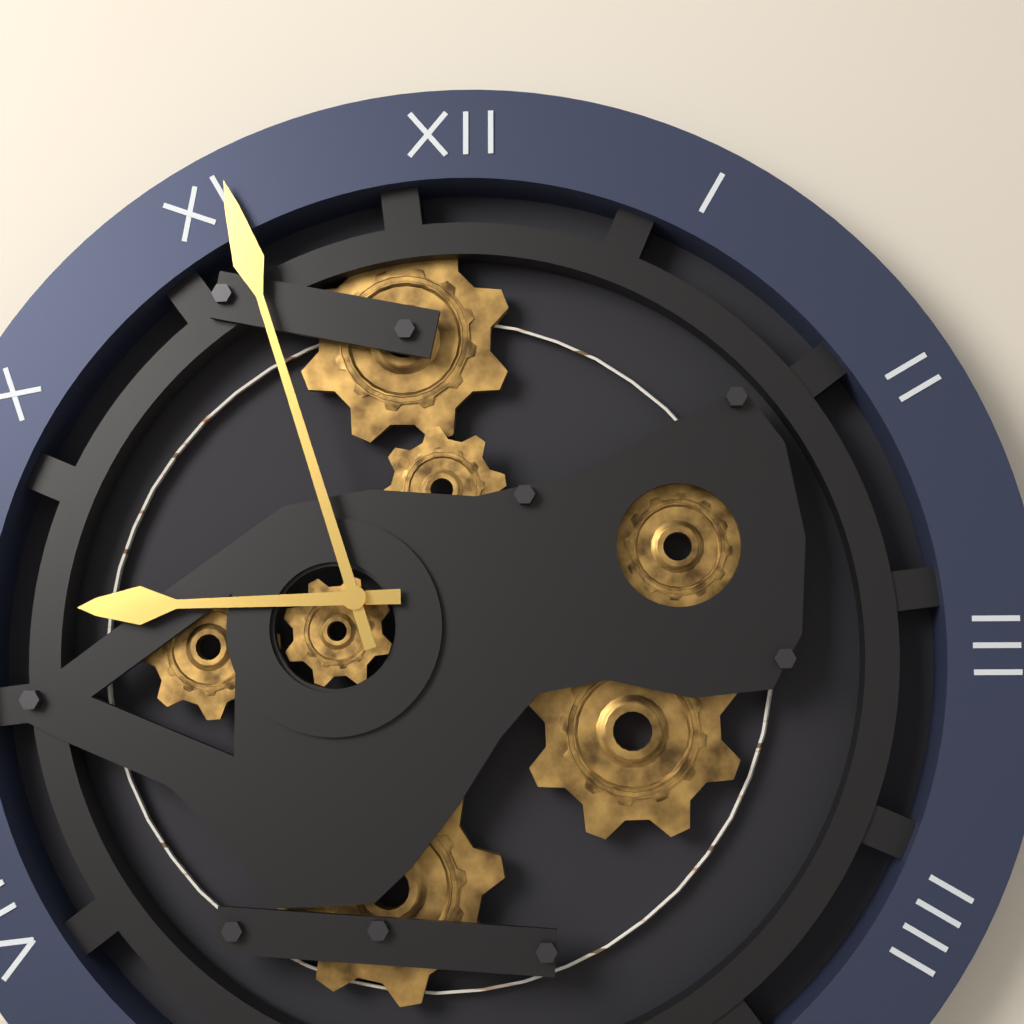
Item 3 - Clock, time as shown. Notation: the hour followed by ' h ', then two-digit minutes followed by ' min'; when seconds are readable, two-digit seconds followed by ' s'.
8 h 57 min
